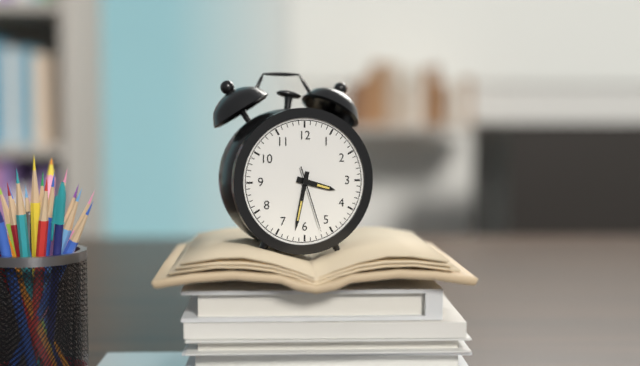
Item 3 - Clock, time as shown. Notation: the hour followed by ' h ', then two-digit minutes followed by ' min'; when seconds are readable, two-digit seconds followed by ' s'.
3 h 32 min 27 s
